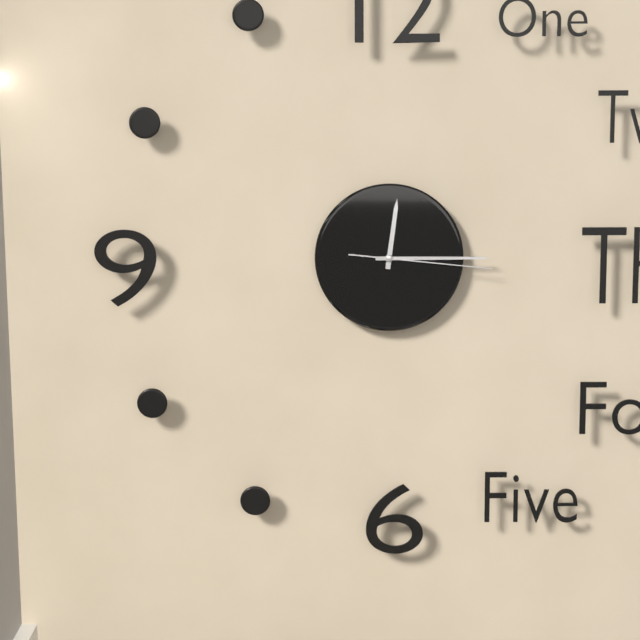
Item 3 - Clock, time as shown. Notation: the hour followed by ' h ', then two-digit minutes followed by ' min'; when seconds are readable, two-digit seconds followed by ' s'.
12 h 15 min 16 s
